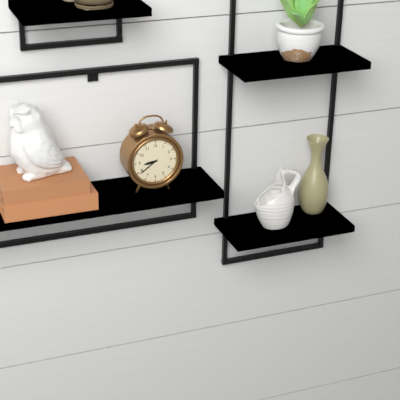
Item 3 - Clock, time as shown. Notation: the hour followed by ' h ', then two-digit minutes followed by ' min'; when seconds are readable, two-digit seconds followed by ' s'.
8 h 39 min
